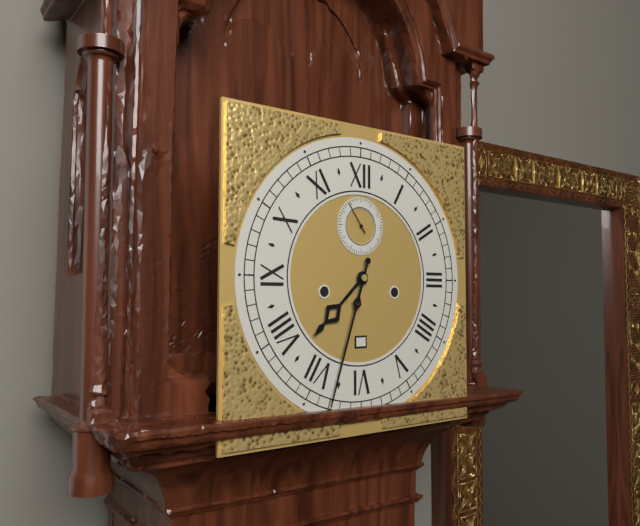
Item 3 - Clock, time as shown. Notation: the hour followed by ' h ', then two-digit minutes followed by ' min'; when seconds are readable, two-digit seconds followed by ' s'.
7 h 33 min
